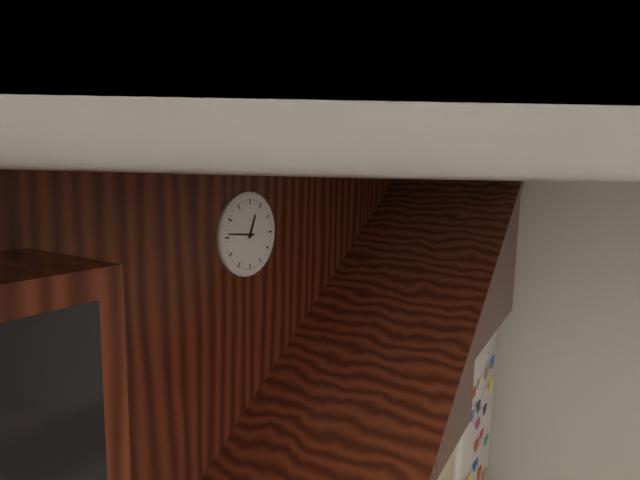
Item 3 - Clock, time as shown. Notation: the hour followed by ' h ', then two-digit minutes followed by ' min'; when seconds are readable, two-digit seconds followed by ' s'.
12 h 46 min
